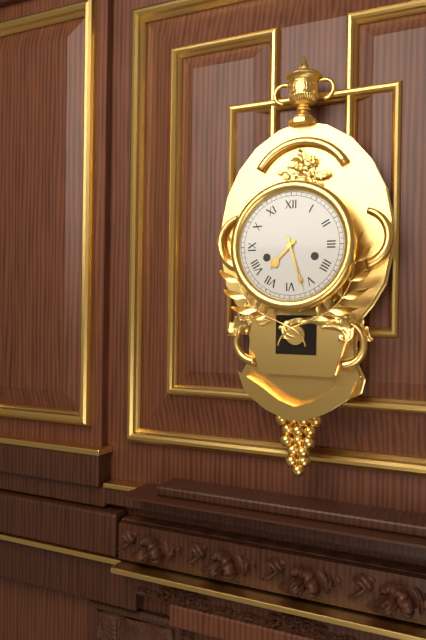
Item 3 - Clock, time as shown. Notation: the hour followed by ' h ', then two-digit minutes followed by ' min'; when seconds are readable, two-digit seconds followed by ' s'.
7 h 27 min
